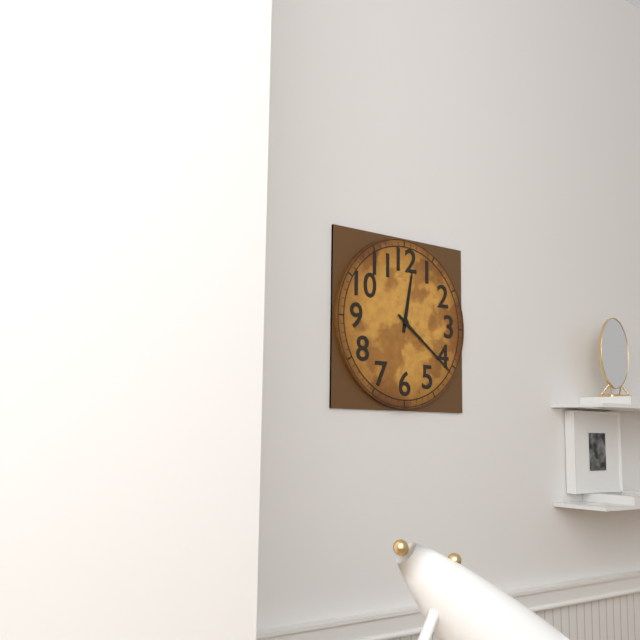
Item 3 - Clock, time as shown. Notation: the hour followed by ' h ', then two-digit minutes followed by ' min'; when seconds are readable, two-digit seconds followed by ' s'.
12 h 21 min
